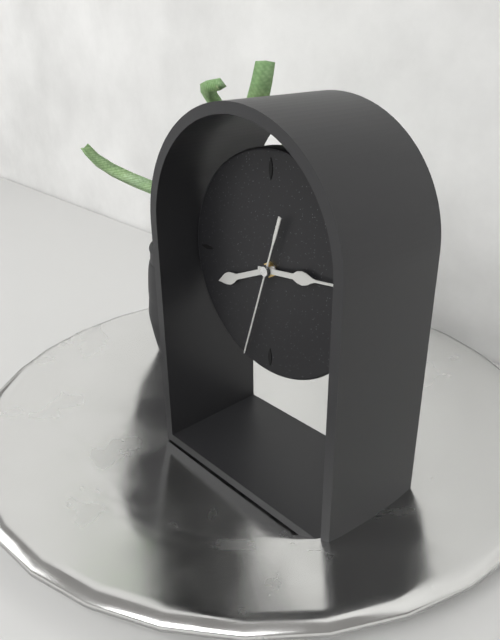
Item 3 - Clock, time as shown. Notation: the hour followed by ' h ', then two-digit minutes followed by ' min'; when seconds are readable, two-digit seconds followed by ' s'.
8 h 14 min 33 s
